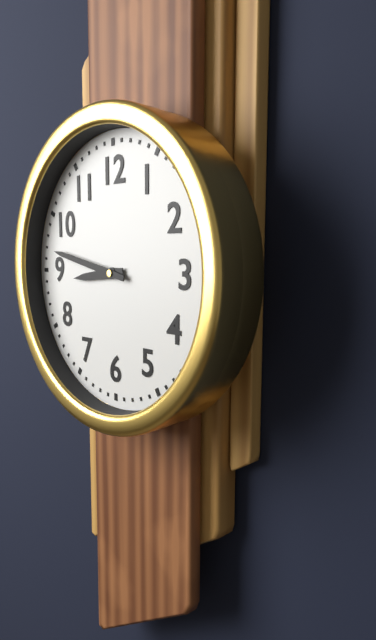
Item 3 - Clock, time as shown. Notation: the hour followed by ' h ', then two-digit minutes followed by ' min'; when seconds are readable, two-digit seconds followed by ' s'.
8 h 47 min
